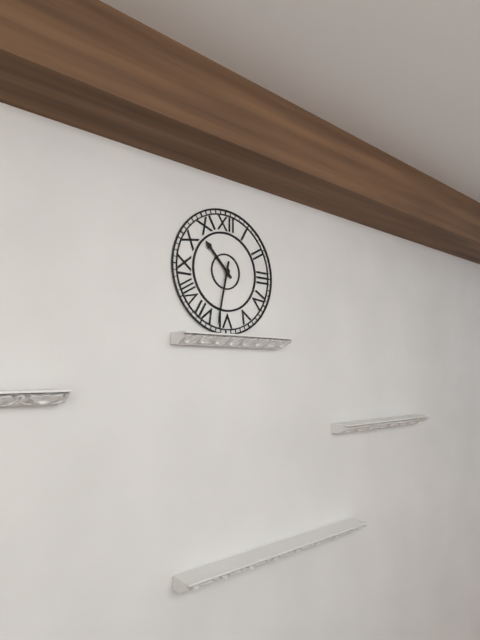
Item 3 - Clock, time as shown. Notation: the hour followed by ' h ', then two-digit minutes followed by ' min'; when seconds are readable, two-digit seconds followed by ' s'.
10 h 32 min
